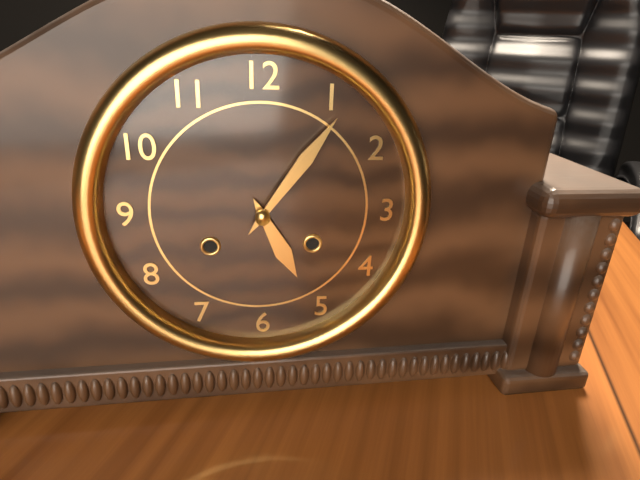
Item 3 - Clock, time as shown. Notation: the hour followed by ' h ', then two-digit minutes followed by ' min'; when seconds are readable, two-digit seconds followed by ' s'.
5 h 06 min
